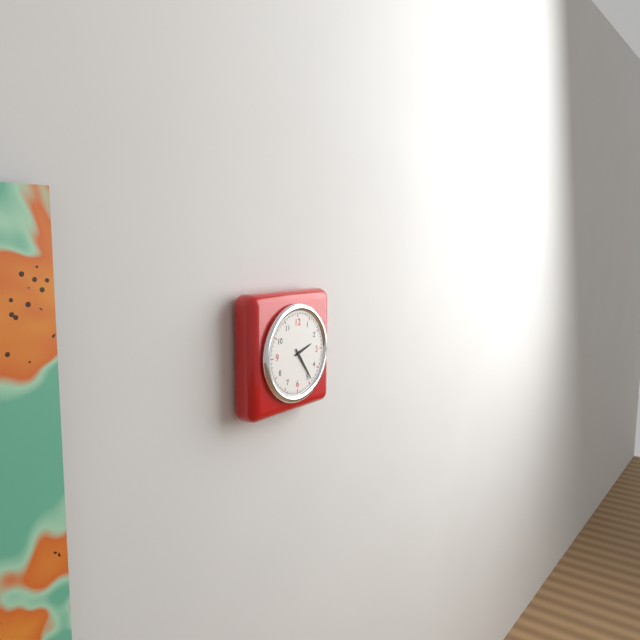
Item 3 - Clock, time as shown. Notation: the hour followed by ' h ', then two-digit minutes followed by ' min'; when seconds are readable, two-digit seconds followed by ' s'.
2 h 24 min
